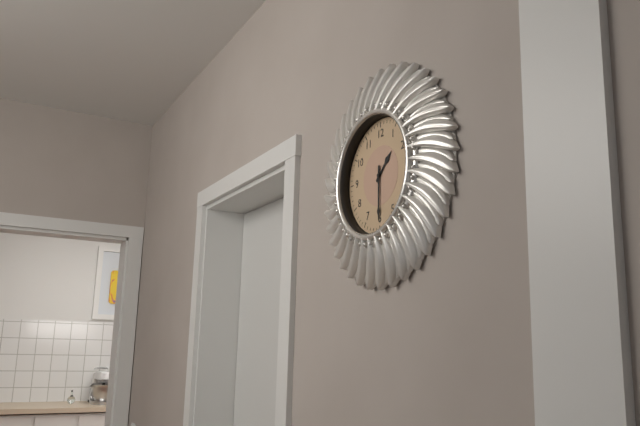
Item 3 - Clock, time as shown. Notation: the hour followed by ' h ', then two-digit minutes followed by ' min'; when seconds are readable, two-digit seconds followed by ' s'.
1 h 30 min
